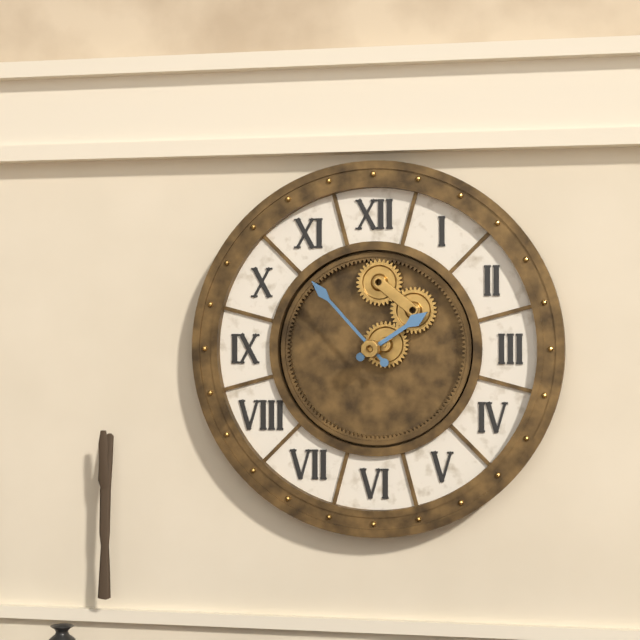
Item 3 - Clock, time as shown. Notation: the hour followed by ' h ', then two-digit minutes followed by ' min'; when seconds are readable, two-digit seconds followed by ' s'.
1 h 53 min
